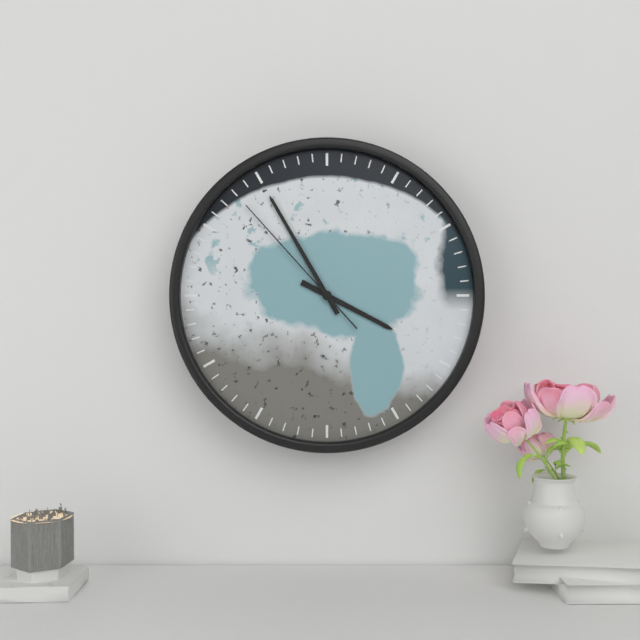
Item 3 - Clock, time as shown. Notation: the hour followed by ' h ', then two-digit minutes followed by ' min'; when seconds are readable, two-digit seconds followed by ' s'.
3 h 55 min 53 s
